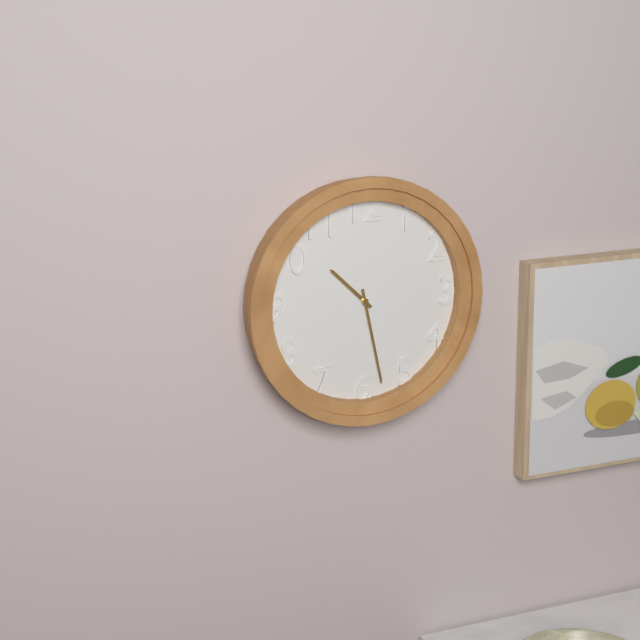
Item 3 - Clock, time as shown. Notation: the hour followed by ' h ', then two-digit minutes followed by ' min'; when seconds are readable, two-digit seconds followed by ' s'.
10 h 28 min
